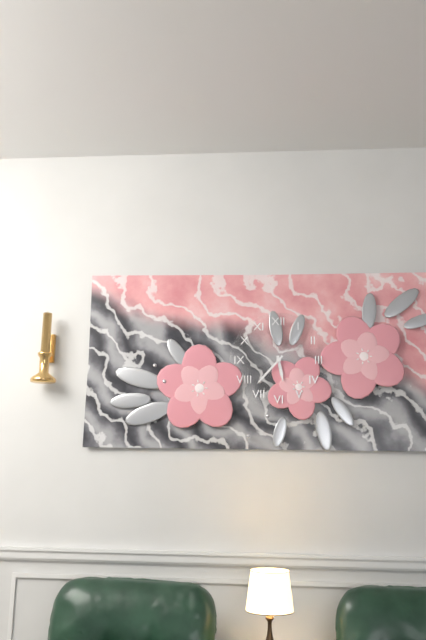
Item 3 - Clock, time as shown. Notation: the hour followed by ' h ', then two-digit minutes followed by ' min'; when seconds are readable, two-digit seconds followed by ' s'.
5 h 37 min
